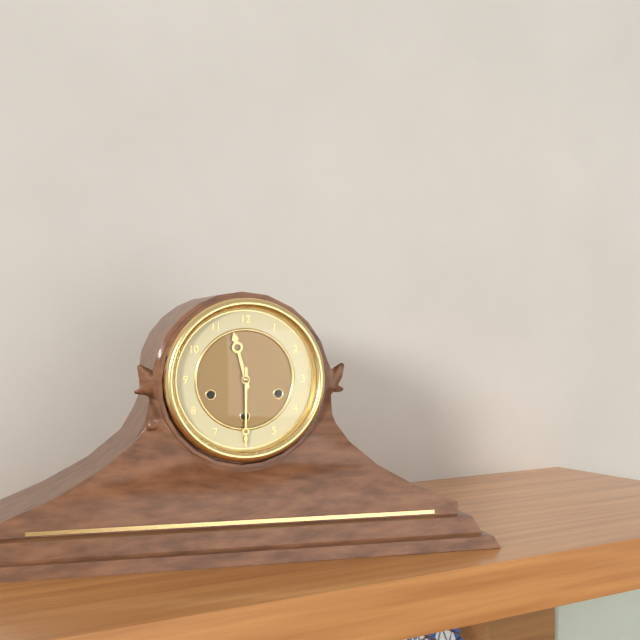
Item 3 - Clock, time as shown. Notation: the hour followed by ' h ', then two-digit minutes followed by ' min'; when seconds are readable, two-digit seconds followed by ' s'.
11 h 30 min
